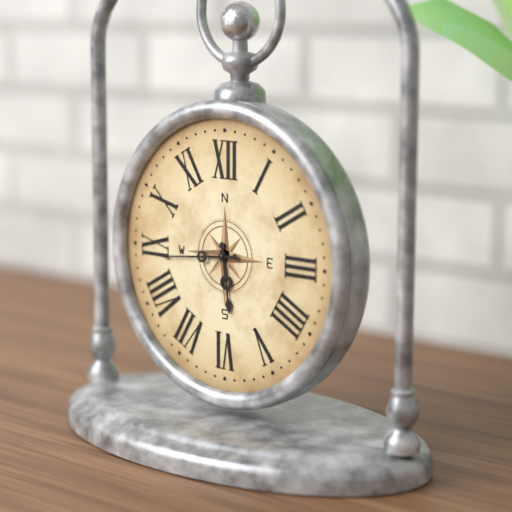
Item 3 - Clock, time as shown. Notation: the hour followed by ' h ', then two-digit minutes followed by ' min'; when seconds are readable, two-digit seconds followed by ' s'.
5 h 44 min
